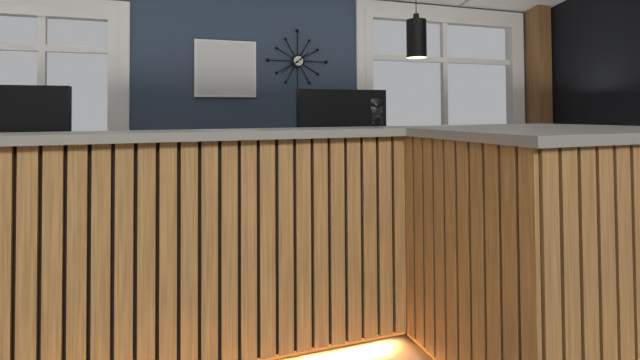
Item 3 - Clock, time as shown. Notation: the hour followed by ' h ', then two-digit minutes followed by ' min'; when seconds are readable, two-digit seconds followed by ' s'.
1 h 39 min
